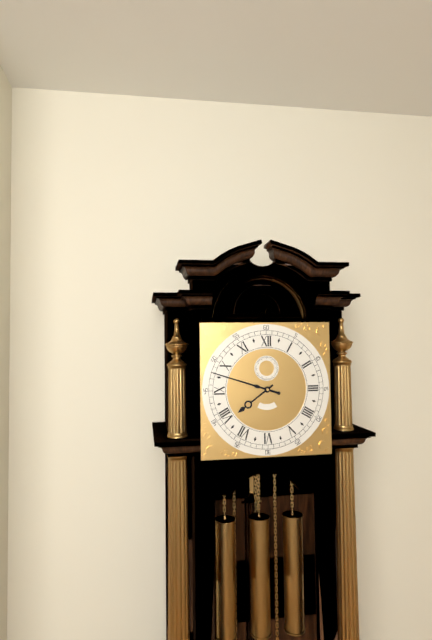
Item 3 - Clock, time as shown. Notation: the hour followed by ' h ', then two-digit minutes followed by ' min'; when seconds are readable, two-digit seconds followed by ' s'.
7 h 48 min
